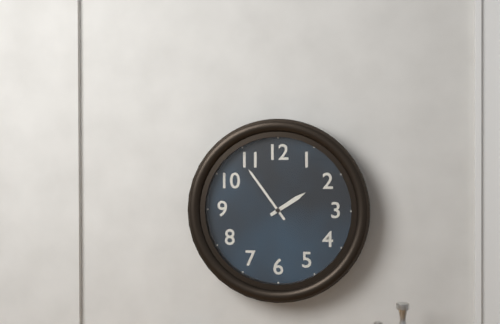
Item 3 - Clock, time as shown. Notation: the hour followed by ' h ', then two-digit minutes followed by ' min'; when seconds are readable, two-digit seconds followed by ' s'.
1 h 54 min
